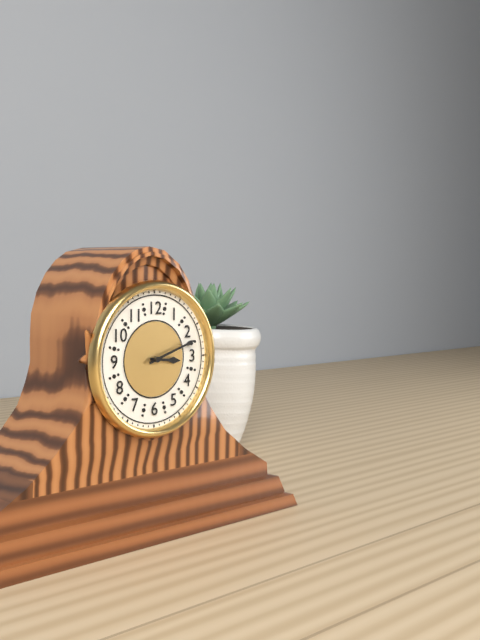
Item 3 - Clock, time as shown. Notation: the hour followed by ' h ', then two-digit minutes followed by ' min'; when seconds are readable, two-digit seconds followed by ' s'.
3 h 12 min
